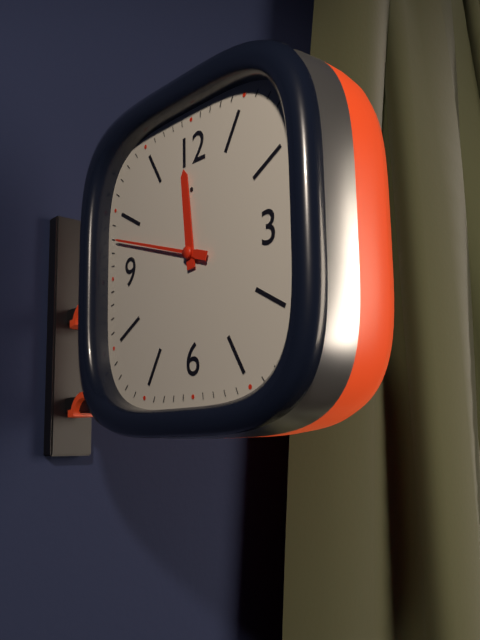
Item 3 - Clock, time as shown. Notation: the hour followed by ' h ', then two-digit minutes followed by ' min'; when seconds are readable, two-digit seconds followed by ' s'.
11 h 48 min
